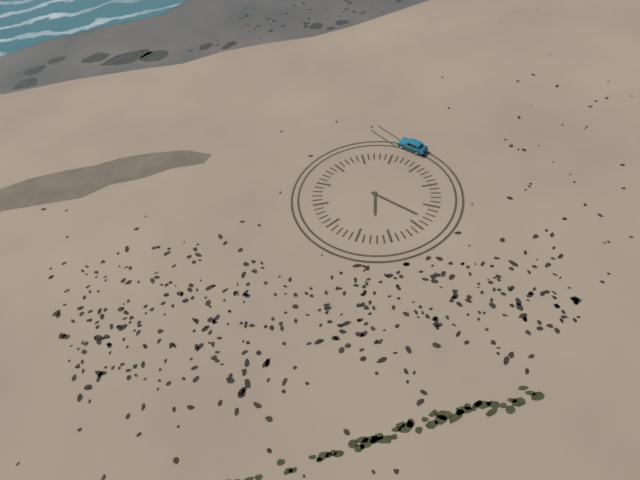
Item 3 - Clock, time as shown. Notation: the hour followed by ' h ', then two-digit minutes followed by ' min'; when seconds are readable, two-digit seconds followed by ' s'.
7 h 28 min
